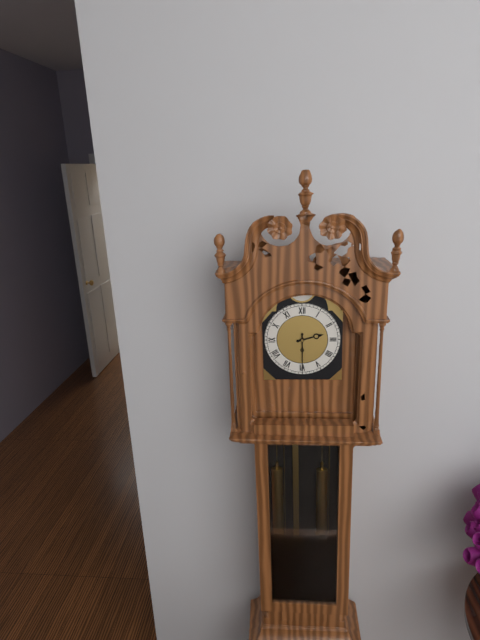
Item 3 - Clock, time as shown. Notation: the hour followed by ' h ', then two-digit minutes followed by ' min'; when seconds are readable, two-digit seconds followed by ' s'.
2 h 30 min
